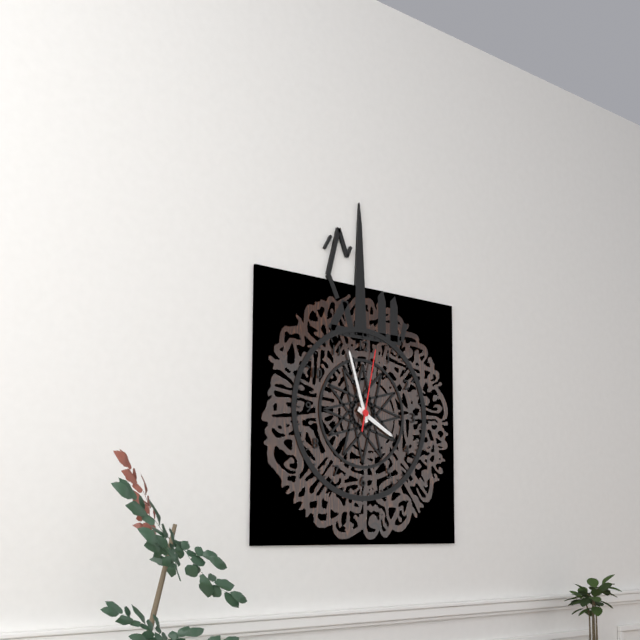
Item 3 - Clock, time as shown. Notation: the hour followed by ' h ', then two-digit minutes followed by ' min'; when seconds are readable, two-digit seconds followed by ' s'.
3 h 57 min 02 s
